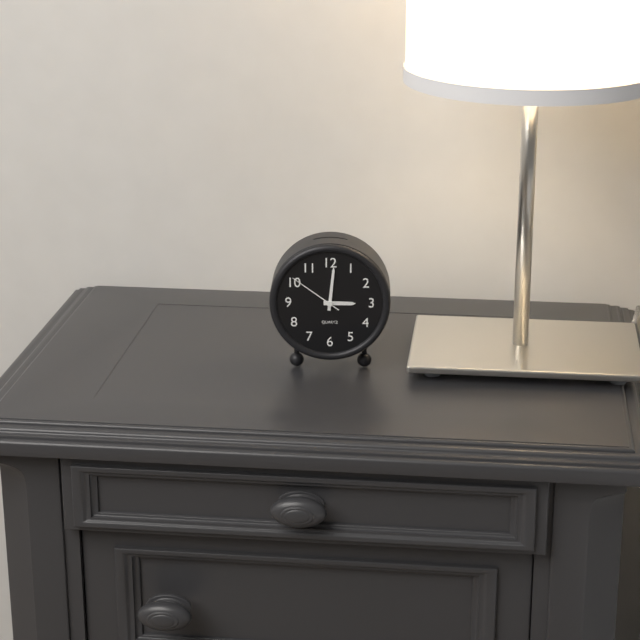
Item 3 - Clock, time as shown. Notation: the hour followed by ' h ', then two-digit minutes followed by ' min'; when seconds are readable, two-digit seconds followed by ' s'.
3 h 01 min 51 s
